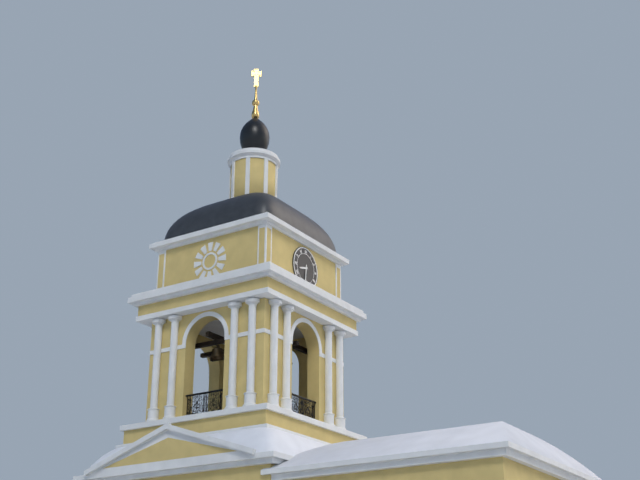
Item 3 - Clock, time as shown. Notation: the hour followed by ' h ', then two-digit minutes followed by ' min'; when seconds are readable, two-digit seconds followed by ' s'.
8 h 31 min
